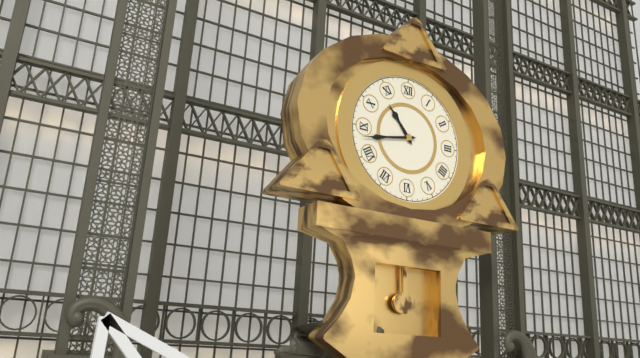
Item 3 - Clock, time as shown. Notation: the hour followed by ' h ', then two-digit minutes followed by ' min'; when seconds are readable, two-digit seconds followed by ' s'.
10 h 43 min
